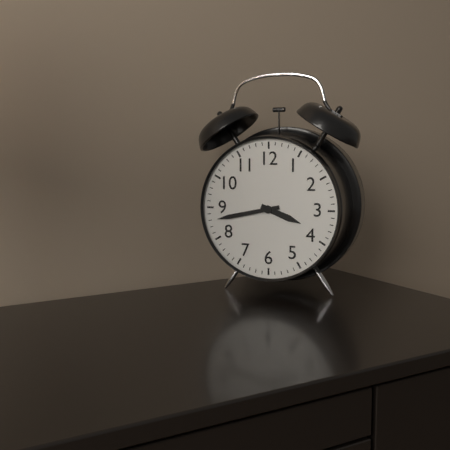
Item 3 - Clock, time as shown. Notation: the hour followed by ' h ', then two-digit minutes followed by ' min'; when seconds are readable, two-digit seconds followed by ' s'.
3 h 43 min
